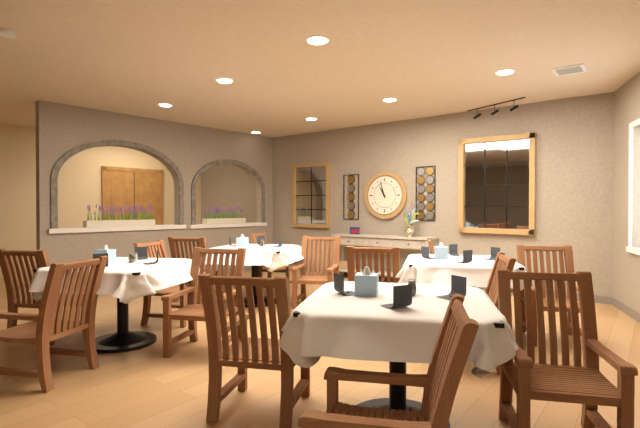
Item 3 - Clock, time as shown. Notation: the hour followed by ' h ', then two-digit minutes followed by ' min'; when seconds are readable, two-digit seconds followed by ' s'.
10 h 57 min
